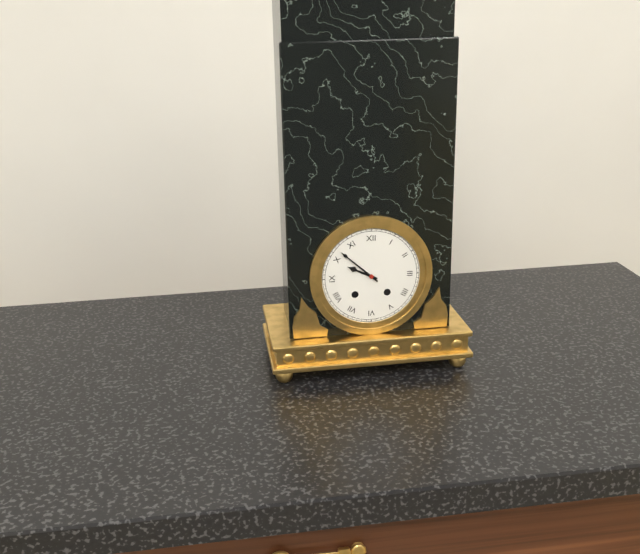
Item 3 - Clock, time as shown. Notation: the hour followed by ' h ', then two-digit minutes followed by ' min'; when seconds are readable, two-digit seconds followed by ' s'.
9 h 52 min
